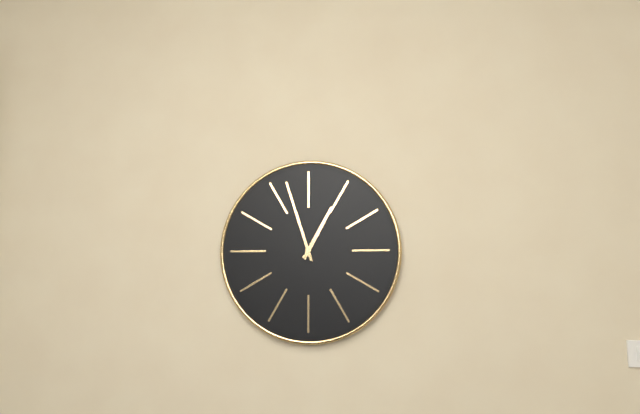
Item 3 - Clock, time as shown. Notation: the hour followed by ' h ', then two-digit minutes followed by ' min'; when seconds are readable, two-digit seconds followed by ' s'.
12 h 57 min
